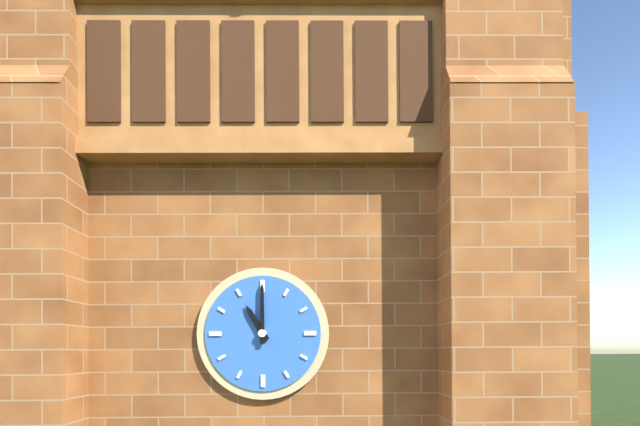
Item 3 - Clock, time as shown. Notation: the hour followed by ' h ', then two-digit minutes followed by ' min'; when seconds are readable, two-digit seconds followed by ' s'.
11 h 00 min
